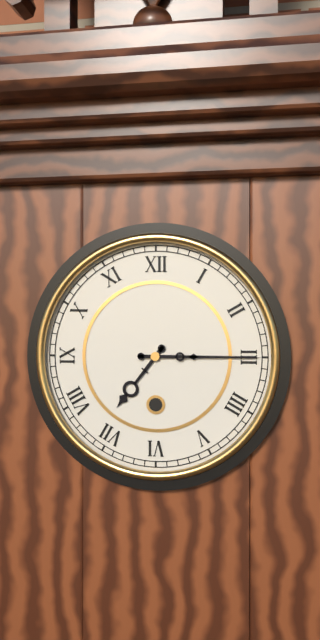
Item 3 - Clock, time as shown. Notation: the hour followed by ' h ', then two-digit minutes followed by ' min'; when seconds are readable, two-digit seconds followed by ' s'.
7 h 15 min
